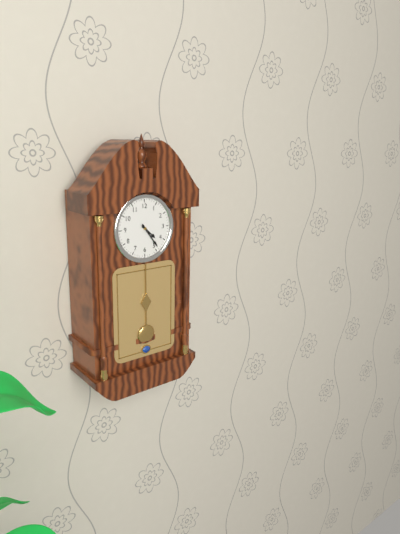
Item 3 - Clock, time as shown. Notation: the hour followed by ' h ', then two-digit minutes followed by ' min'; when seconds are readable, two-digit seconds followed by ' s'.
4 h 24 min
